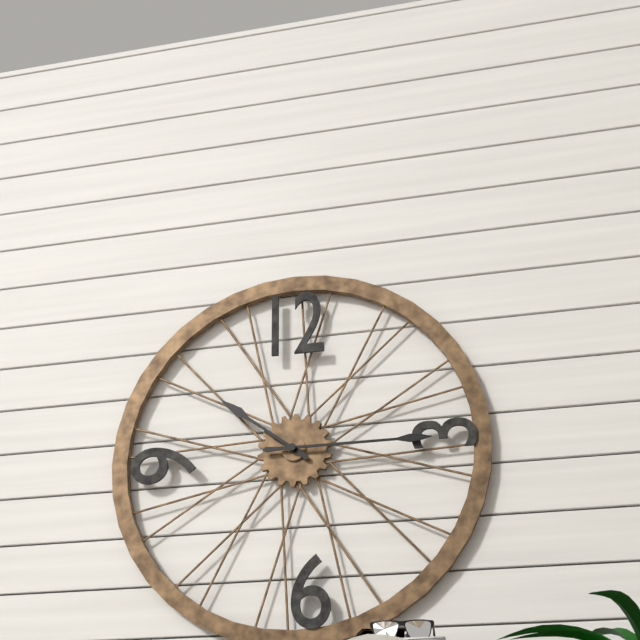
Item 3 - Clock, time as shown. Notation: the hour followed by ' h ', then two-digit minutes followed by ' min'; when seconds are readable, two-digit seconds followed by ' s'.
10 h 15 min
